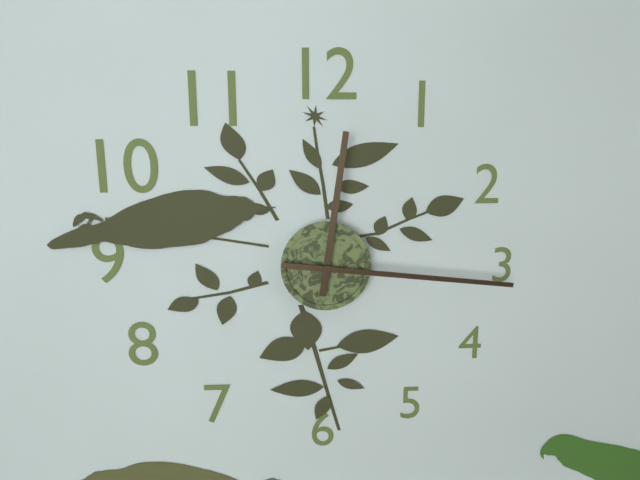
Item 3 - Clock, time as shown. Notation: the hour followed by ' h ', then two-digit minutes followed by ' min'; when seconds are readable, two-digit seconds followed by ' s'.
12 h 16 min
